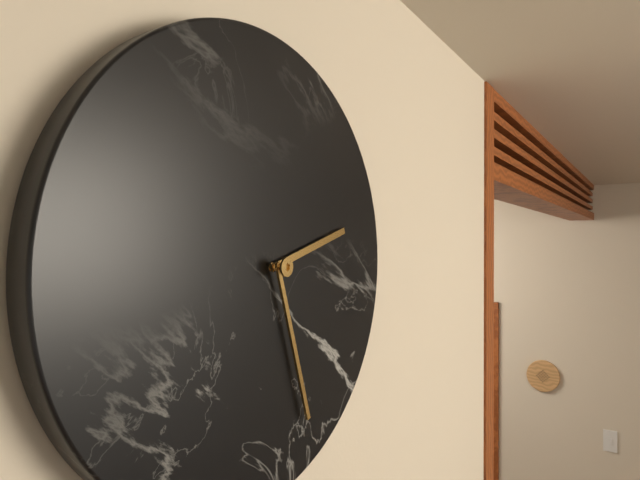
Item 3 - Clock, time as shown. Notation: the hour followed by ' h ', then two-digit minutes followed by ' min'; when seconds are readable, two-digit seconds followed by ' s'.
2 h 27 min
